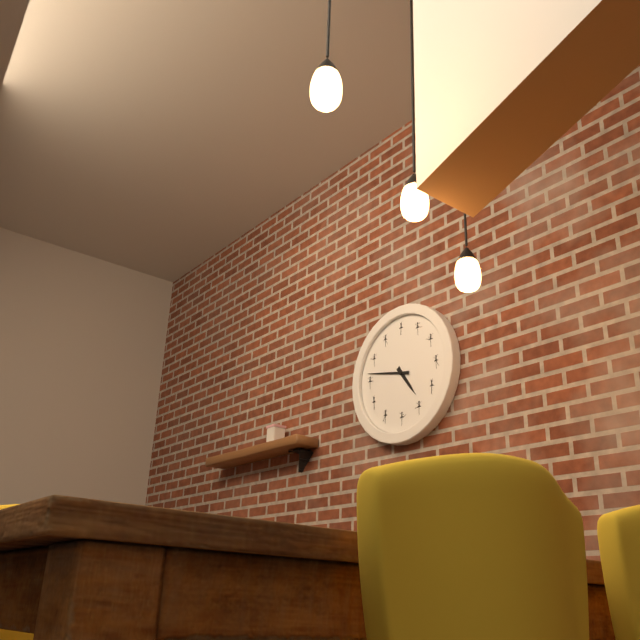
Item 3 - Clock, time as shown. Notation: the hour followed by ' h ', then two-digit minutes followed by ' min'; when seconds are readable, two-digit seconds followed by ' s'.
4 h 47 min
